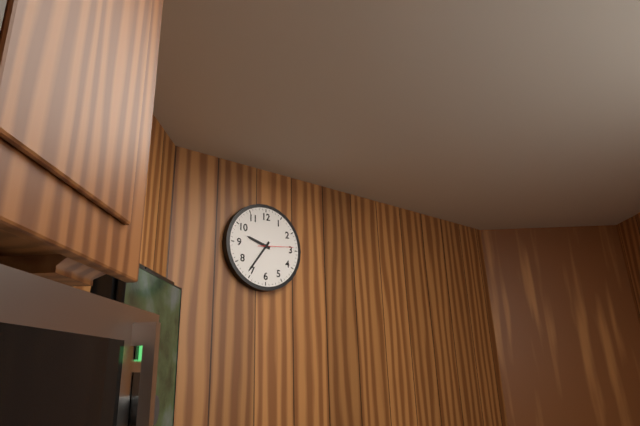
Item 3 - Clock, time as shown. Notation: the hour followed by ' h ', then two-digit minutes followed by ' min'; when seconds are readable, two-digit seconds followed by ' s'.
9 h 36 min
